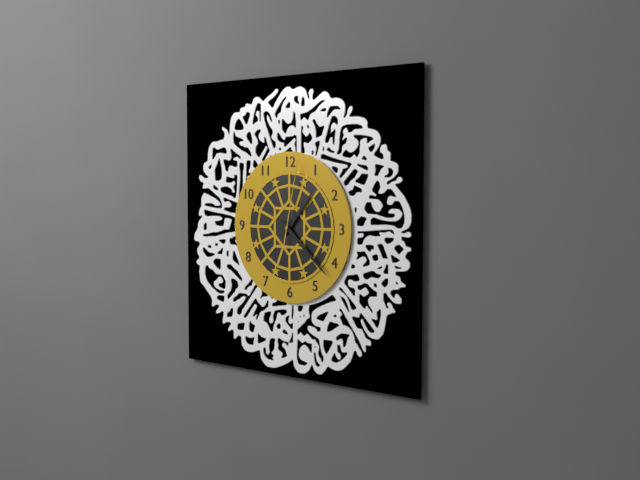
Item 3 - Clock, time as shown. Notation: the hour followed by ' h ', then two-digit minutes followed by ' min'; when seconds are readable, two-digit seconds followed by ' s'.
1 h 22 min 02 s
